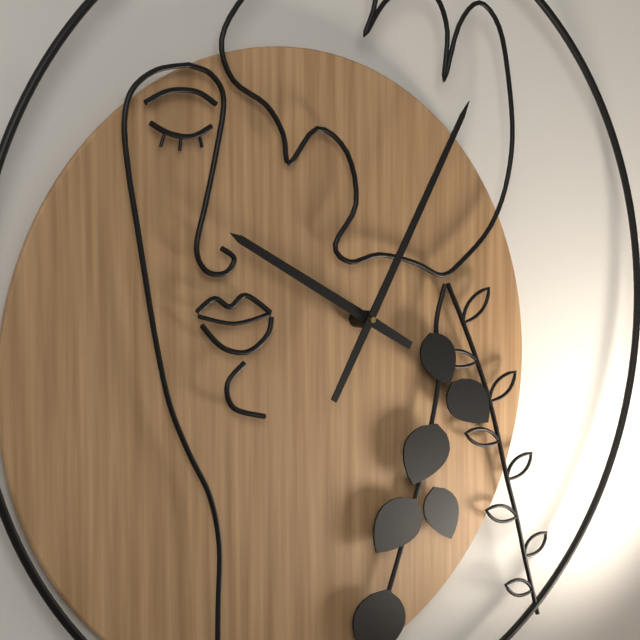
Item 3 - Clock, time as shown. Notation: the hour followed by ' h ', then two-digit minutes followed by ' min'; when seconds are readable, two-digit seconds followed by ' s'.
10 h 06 min
